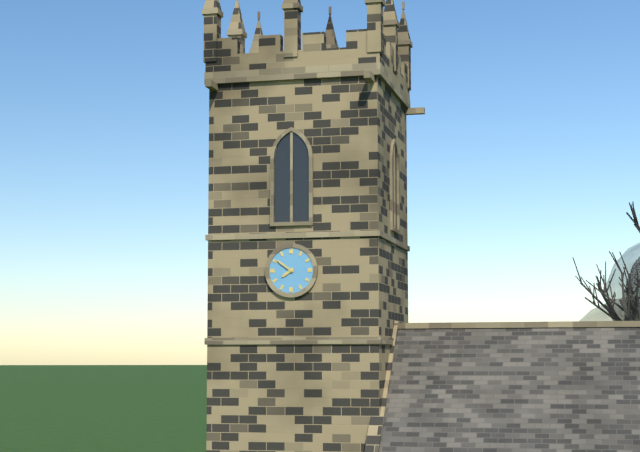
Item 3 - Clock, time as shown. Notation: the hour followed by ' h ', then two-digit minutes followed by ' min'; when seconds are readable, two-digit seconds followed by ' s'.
7 h 51 min
